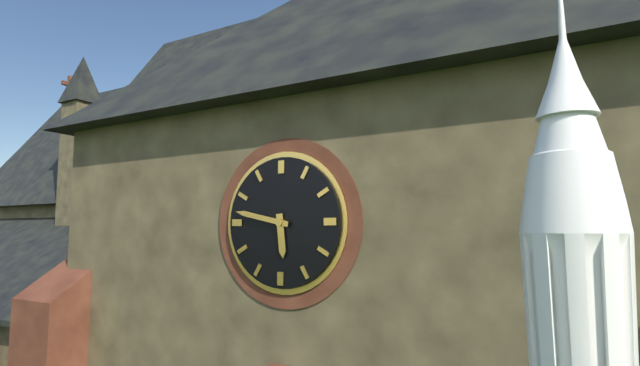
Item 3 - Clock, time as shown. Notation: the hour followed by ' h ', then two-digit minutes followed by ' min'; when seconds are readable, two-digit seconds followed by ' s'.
5 h 47 min
